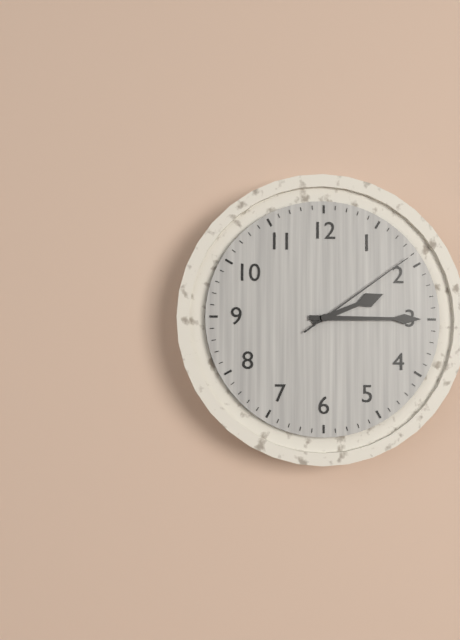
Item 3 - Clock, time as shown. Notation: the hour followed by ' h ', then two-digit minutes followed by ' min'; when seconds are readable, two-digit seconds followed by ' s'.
2 h 15 min 09 s
